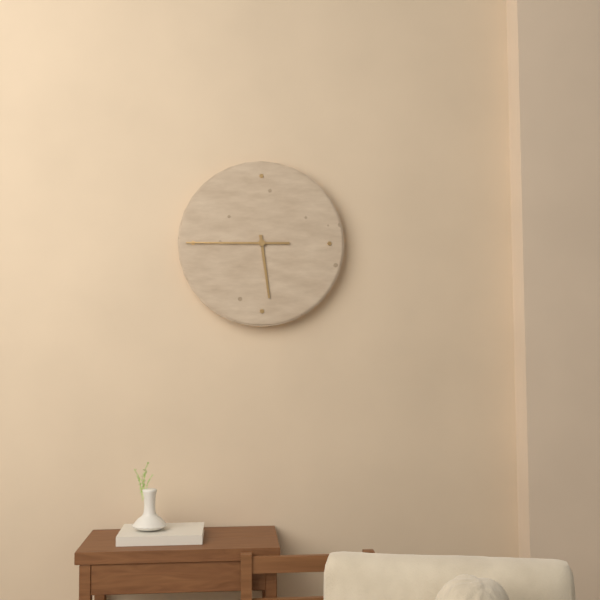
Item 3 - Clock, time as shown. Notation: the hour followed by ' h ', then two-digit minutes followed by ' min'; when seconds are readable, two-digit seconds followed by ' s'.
5 h 45 min
